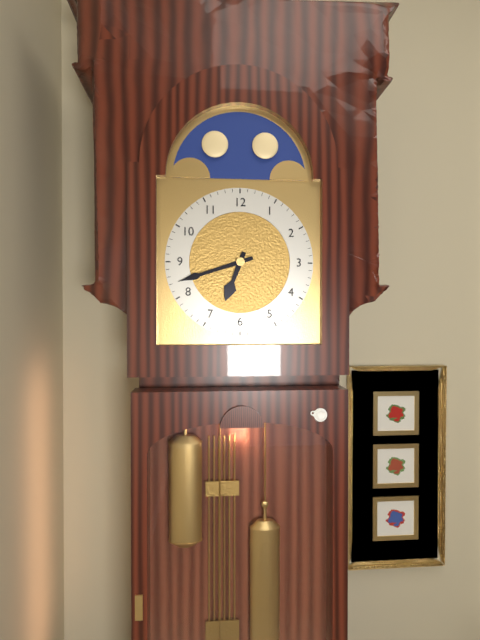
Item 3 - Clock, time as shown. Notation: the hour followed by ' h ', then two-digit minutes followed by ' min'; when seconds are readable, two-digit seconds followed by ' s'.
6 h 42 min
